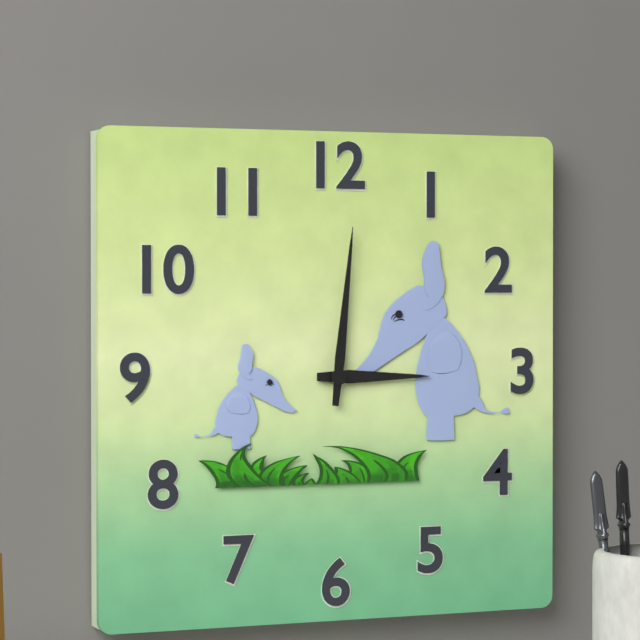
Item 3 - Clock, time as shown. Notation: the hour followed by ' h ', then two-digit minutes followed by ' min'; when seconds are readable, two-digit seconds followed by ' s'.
3 h 01 min
